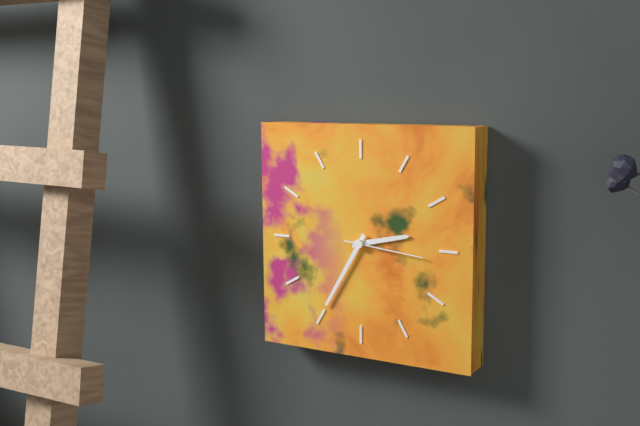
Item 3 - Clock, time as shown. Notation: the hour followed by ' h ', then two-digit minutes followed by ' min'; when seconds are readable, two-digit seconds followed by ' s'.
2 h 35 min 16 s
